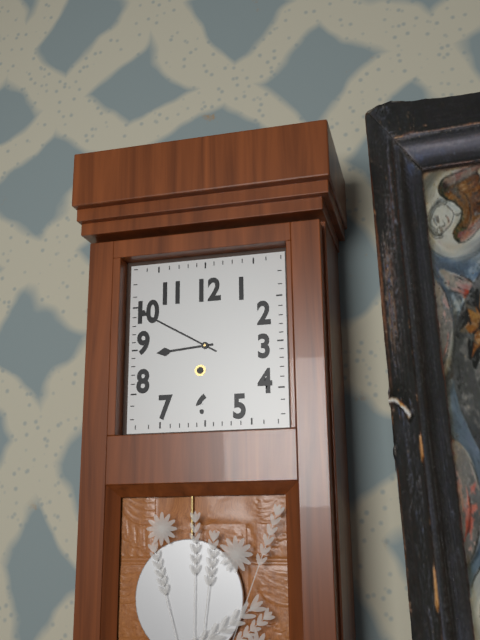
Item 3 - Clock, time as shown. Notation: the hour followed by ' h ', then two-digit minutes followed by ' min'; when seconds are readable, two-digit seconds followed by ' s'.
8 h 50 min
